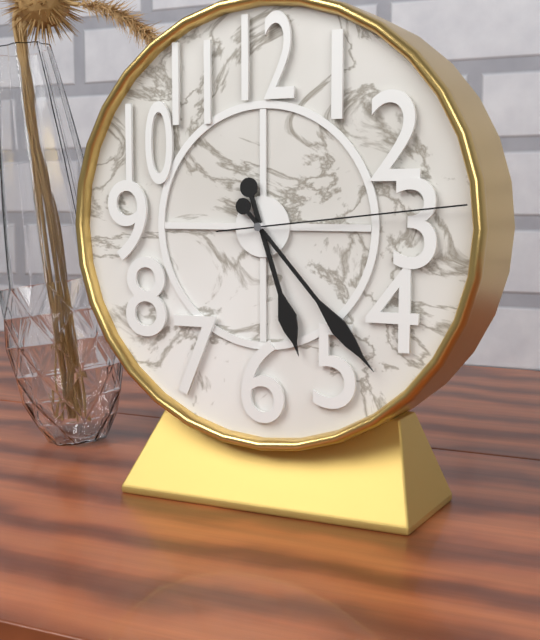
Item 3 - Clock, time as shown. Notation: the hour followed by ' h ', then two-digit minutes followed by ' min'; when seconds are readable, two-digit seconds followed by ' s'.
5 h 23 min 14 s
